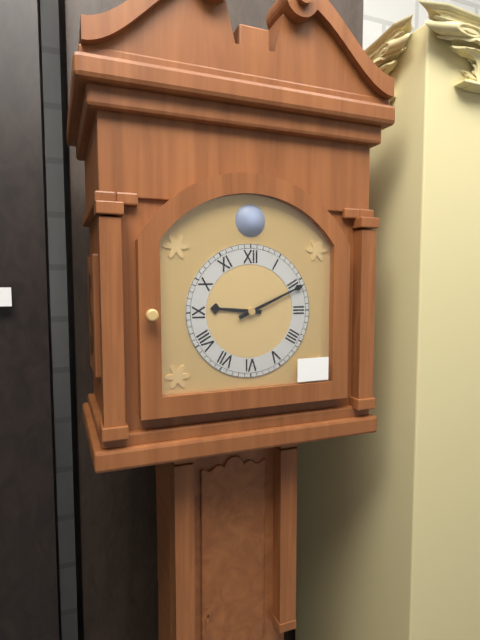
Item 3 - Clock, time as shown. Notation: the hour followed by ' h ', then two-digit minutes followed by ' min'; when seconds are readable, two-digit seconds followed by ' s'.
9 h 11 min
